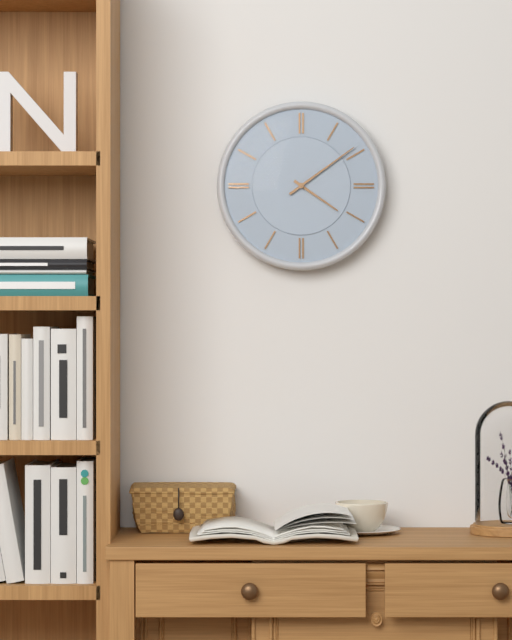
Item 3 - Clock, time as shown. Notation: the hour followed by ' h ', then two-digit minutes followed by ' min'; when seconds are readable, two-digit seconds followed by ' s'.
4 h 09 min
